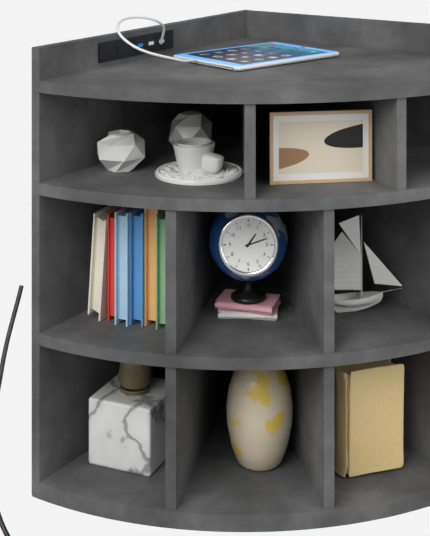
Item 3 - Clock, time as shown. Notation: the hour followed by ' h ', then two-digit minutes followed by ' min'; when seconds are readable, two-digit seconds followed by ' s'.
1 h 12 min
